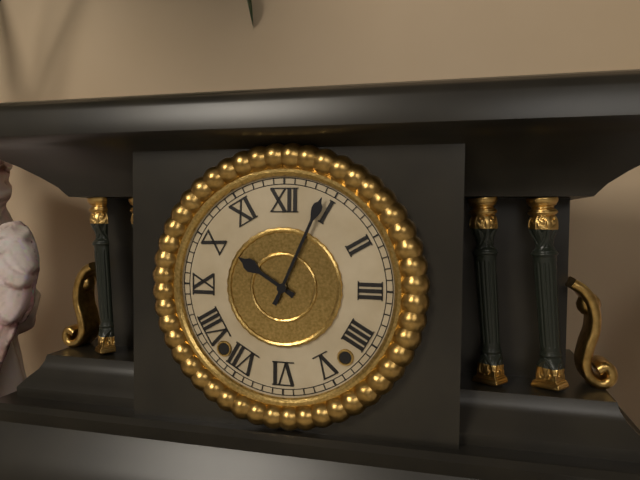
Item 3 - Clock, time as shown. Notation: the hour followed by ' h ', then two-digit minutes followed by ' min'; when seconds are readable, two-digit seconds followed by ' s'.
10 h 04 min
